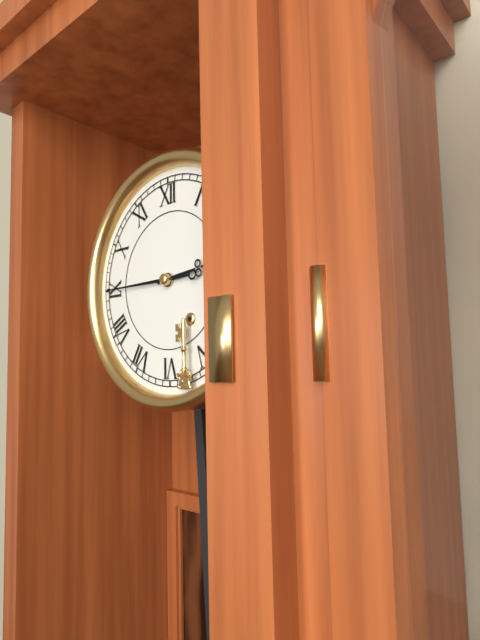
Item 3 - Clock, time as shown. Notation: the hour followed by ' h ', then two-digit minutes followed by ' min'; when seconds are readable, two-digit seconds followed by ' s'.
2 h 45 min
